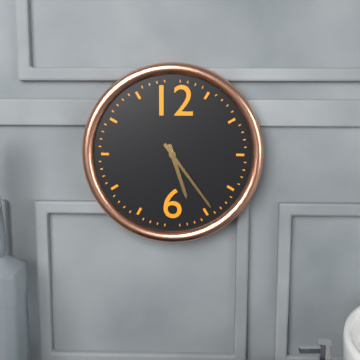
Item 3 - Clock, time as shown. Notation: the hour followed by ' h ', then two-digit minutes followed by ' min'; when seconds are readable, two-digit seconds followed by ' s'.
5 h 24 min
